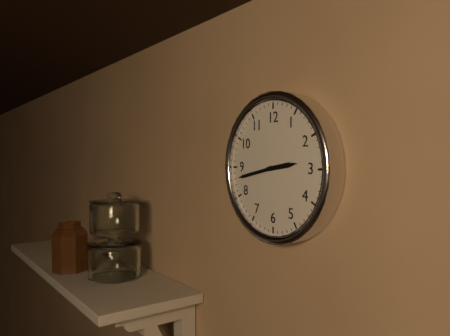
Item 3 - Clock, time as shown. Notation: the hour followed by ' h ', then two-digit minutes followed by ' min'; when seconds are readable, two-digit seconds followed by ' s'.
2 h 43 min
